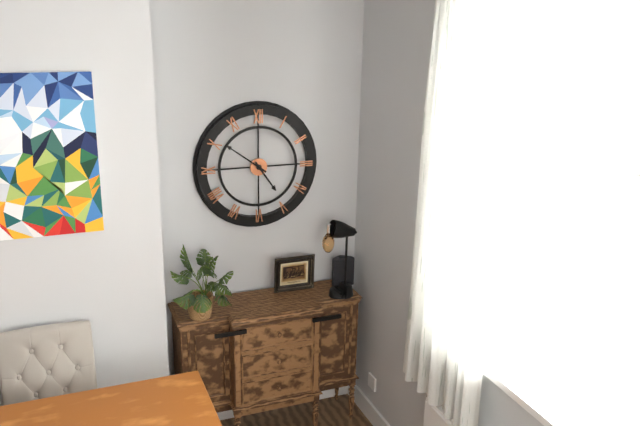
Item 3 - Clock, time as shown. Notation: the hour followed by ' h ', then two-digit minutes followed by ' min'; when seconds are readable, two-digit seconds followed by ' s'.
4 h 51 min
